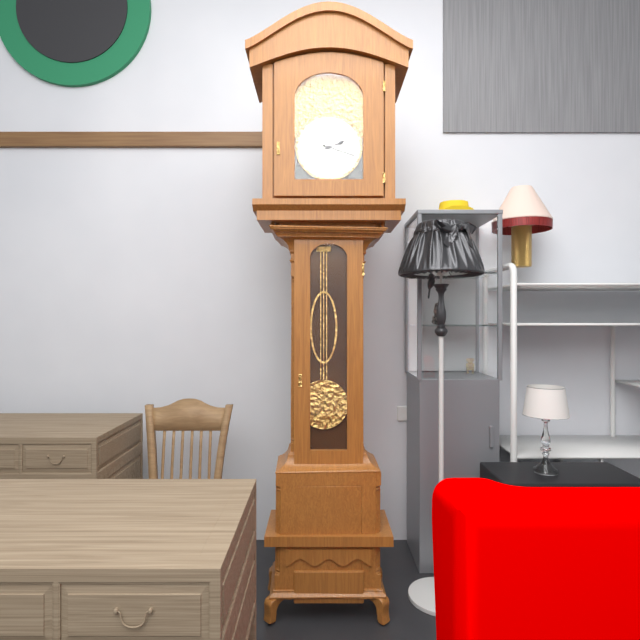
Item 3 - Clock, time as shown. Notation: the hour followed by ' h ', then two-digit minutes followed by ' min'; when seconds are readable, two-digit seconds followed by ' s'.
2 h 18 min
